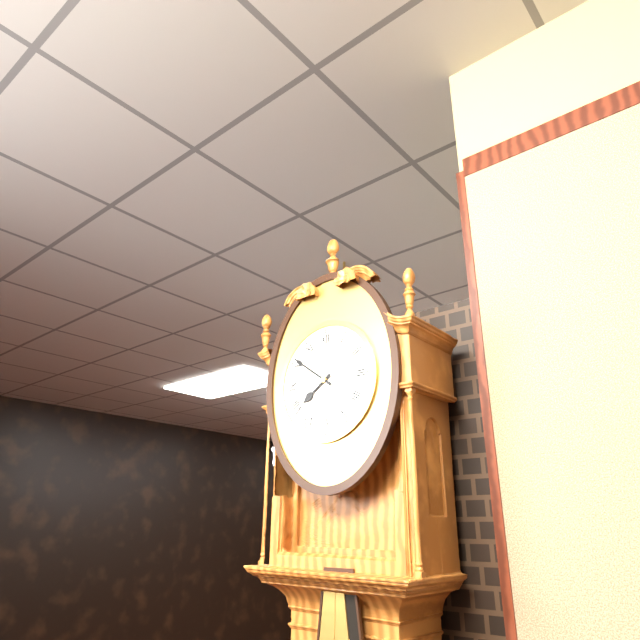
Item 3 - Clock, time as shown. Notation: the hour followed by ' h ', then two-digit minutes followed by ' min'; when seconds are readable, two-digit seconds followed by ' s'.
7 h 51 min
